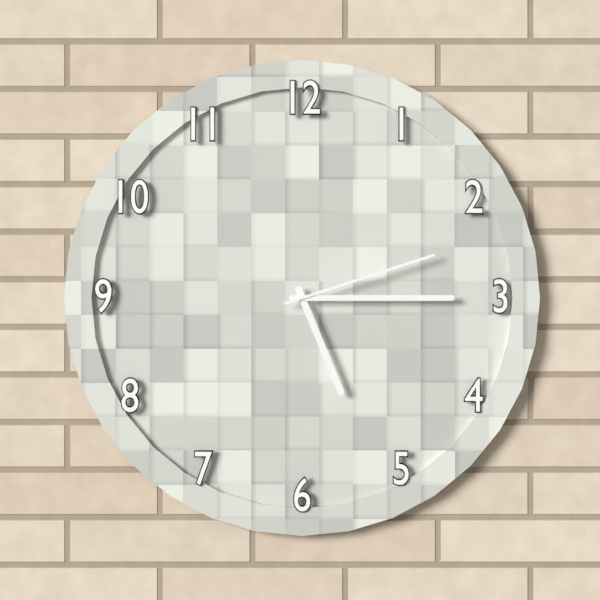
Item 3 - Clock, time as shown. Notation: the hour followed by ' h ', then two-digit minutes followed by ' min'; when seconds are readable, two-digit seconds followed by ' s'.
5 h 15 min 12 s
